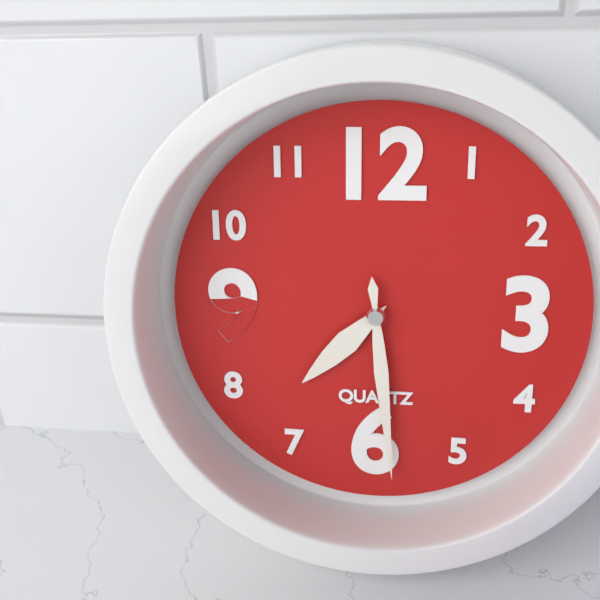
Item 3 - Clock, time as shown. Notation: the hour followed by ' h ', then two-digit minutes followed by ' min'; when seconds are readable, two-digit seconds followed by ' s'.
7 h 29 min
